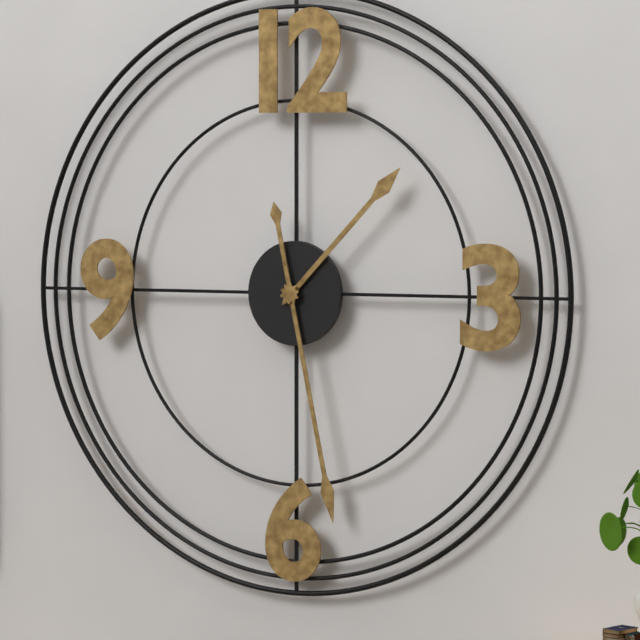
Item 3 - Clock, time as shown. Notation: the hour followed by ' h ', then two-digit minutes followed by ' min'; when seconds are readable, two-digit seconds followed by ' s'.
1 h 28 min
